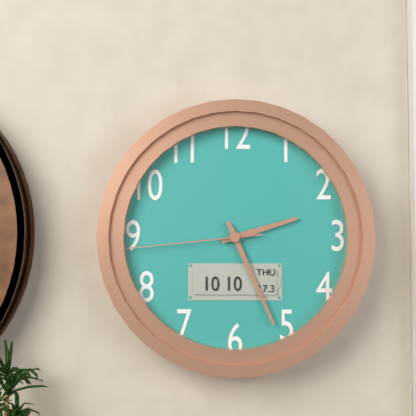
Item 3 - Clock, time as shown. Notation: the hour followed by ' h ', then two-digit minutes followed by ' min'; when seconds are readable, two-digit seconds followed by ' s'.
2 h 26 min 44 s
